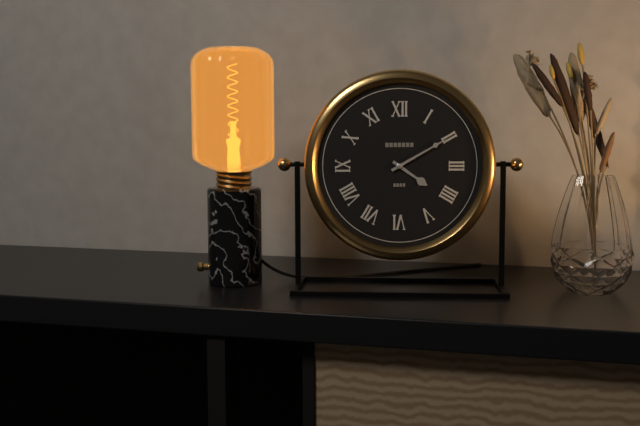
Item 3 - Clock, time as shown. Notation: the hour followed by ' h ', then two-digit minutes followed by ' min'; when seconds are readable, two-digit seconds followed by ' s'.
4 h 10 min
